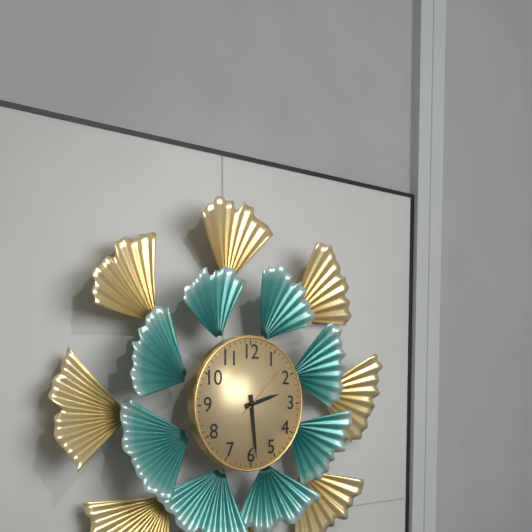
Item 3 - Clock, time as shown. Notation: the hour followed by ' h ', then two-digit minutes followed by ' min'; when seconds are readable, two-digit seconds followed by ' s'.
2 h 29 min 08 s
